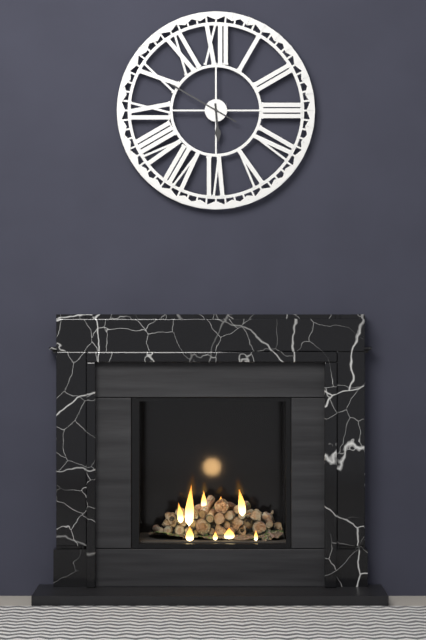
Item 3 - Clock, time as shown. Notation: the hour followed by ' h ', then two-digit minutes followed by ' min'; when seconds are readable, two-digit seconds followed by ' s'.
5 h 50 min
